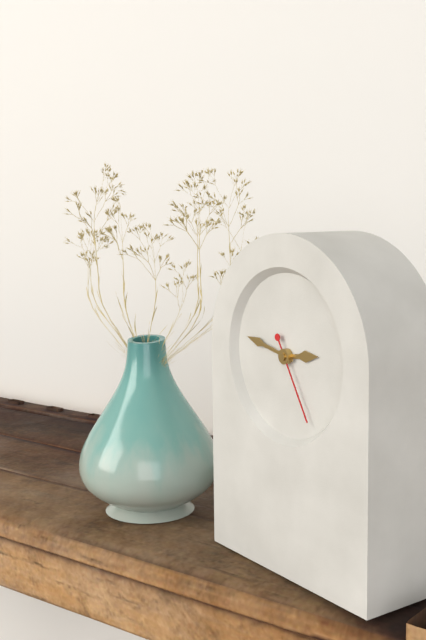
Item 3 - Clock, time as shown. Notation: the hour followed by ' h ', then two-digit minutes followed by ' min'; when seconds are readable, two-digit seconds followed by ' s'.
2 h 47 min 25 s
